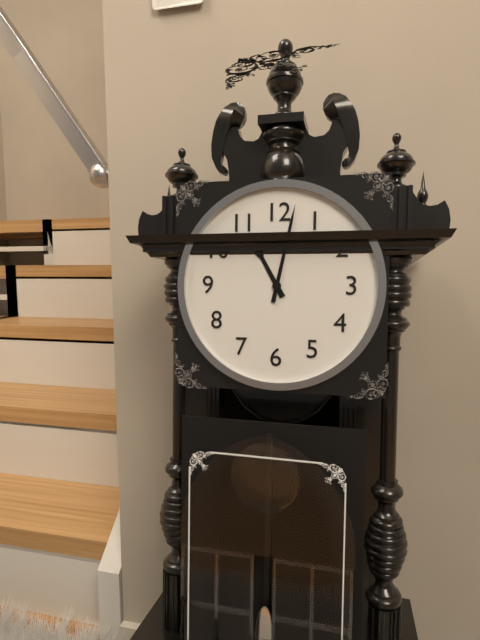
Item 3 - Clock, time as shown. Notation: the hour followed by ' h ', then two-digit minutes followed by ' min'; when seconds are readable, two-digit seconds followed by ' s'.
11 h 02 min
